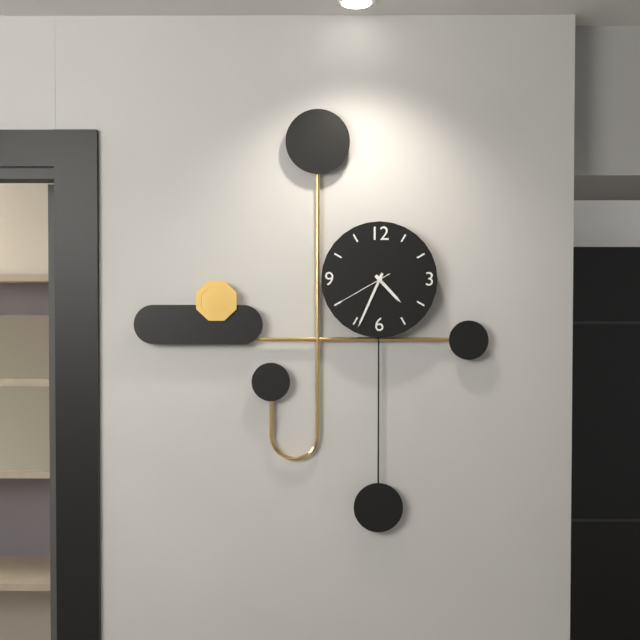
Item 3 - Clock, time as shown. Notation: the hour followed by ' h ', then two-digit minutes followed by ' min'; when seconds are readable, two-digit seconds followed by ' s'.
4 h 34 min 40 s
